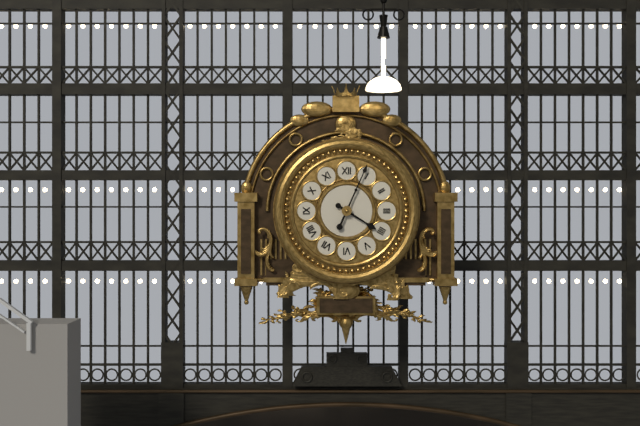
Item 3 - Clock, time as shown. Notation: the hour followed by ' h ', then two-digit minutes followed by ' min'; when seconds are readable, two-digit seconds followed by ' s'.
4 h 04 min
